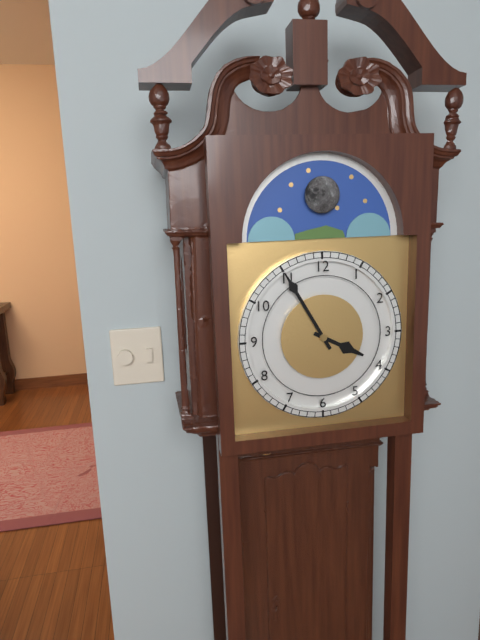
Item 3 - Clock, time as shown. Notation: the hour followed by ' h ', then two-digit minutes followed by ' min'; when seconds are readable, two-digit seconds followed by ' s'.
3 h 55 min
